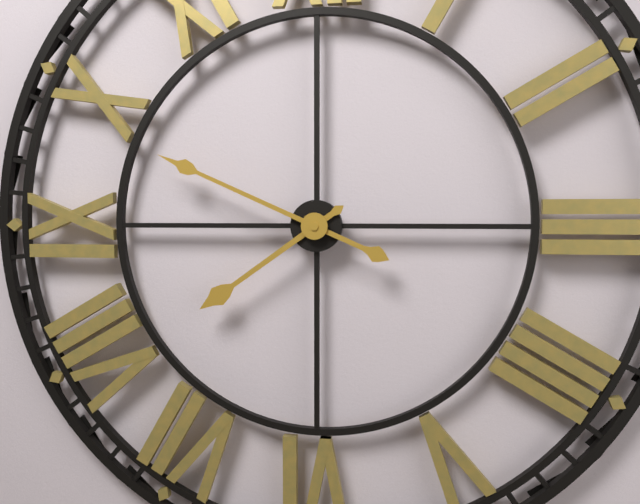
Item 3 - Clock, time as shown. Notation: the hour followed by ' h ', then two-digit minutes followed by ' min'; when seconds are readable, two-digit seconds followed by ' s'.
7 h 49 min
